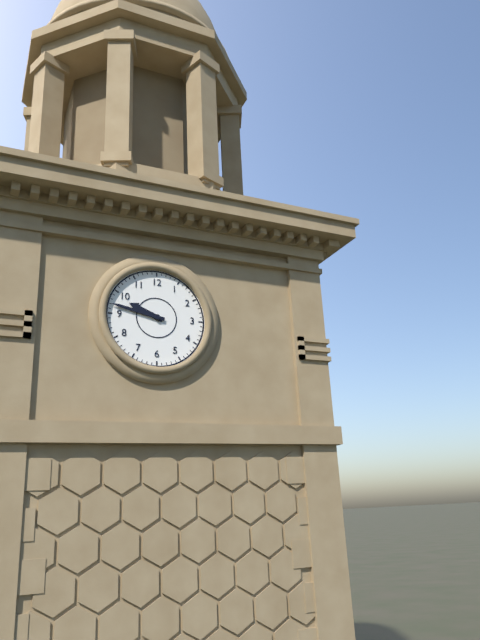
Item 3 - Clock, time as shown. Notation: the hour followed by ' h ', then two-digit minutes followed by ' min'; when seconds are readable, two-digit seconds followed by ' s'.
9 h 47 min
